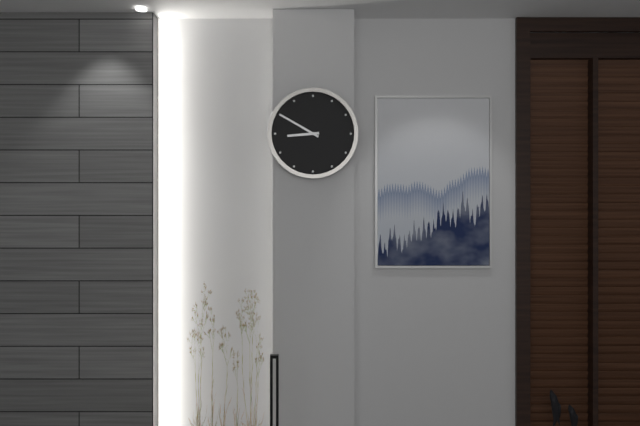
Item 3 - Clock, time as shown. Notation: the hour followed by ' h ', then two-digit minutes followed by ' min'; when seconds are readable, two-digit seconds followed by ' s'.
8 h 50 min
